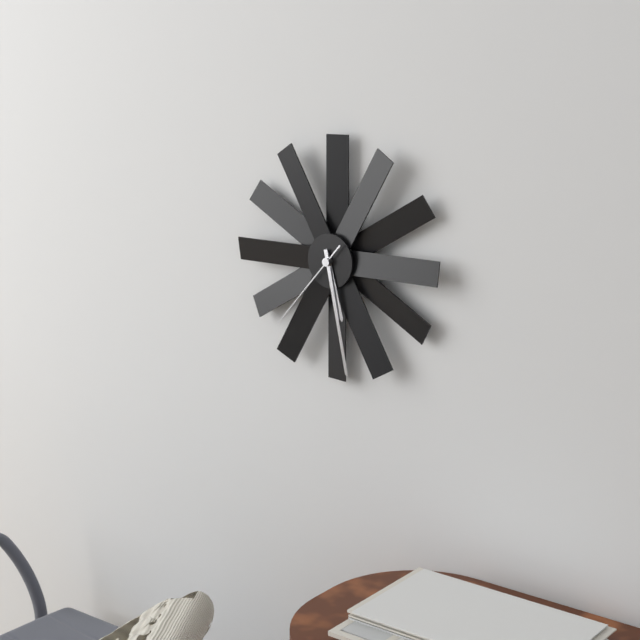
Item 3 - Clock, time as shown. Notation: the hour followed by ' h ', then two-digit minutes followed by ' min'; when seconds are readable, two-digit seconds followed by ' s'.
5 h 28 min 37 s
